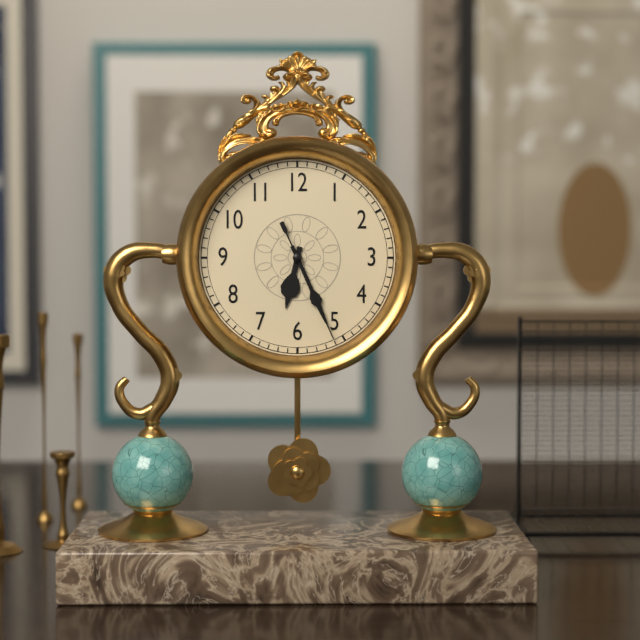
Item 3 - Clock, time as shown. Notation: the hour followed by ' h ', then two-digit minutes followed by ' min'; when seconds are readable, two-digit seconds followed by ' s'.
6 h 26 min 26 s
